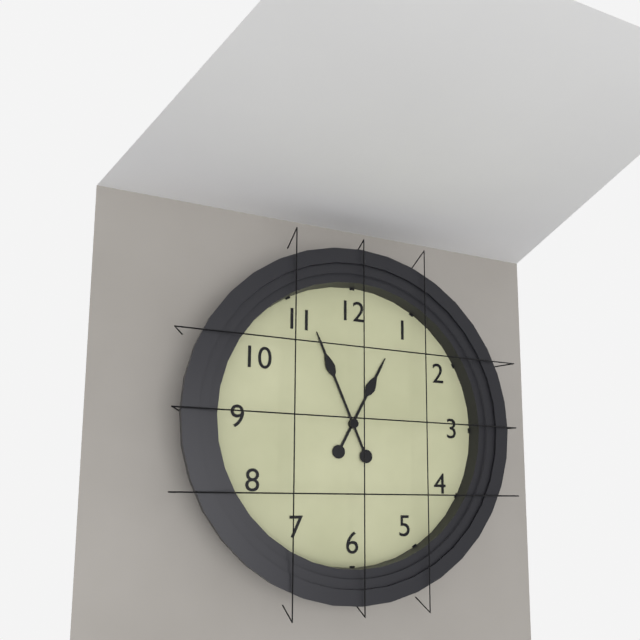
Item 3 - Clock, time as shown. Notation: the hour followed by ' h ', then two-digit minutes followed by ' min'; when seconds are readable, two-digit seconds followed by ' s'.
12 h 56 min
